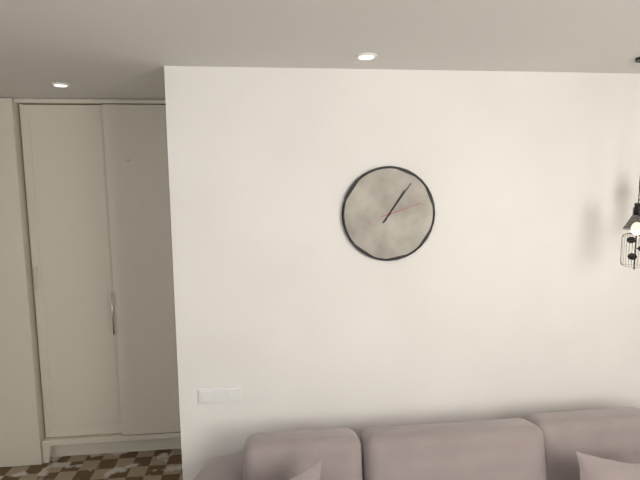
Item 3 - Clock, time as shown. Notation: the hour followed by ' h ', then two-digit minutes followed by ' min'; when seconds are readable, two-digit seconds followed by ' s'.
1 h 06 min
